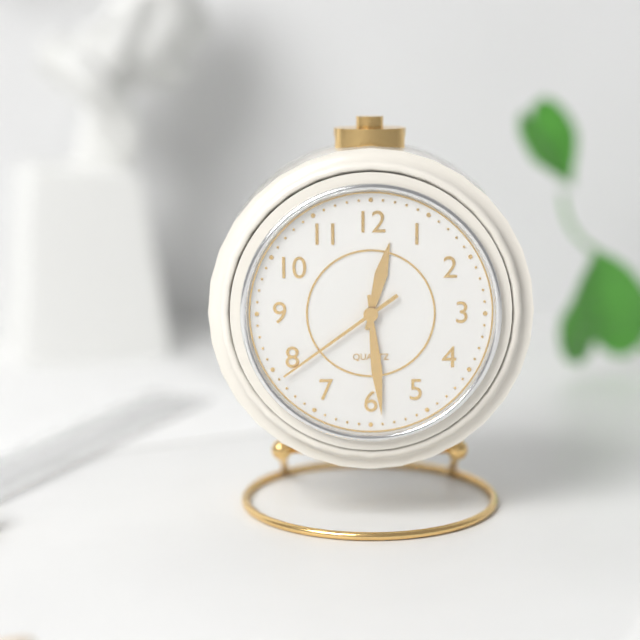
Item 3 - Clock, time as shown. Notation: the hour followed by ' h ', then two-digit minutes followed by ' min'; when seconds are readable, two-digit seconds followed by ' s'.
12 h 29 min 39 s
